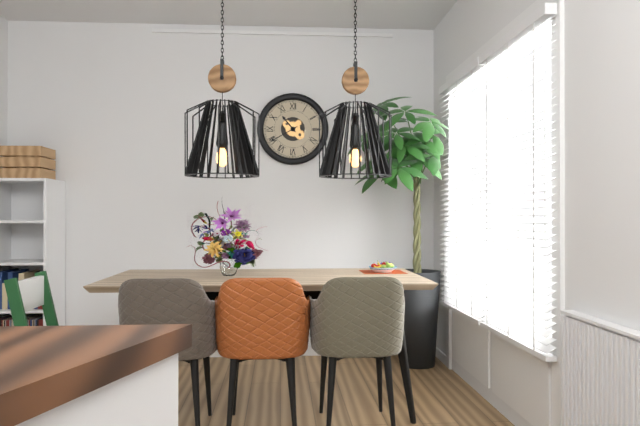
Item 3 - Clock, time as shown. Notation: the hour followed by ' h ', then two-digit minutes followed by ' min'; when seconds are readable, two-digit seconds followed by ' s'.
10 h 40 min
